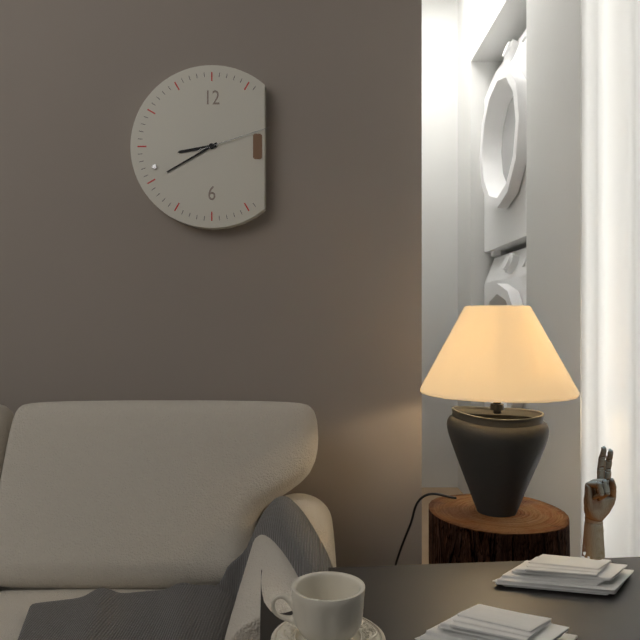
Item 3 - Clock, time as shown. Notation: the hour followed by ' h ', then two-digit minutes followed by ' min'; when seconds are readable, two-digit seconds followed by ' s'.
8 h 40 min 12 s
